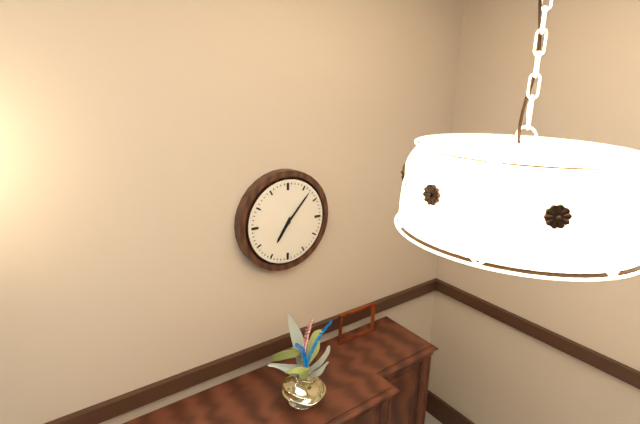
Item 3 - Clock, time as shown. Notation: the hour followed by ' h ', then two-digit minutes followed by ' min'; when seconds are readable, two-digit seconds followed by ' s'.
7 h 07 min
